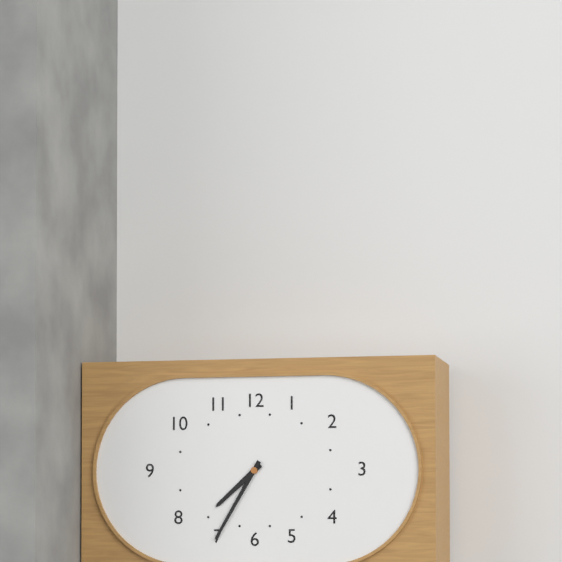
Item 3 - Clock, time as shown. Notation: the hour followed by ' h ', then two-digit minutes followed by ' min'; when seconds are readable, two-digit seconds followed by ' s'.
7 h 35 min
